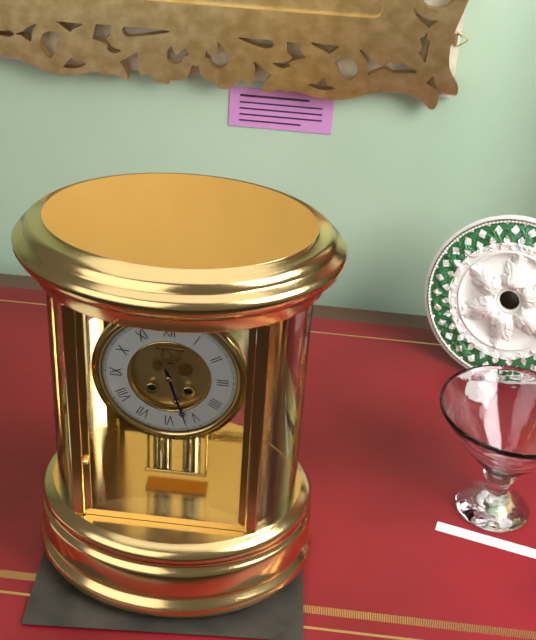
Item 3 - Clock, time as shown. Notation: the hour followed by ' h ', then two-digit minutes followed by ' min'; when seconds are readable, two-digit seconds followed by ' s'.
5 h 27 min
